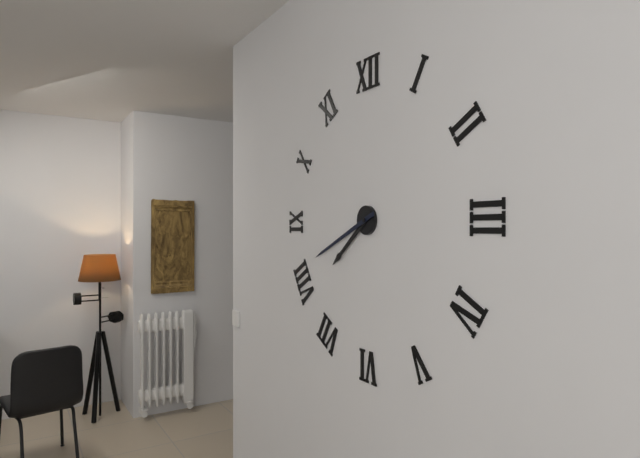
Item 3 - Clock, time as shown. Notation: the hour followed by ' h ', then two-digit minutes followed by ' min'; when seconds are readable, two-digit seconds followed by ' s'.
7 h 41 min
